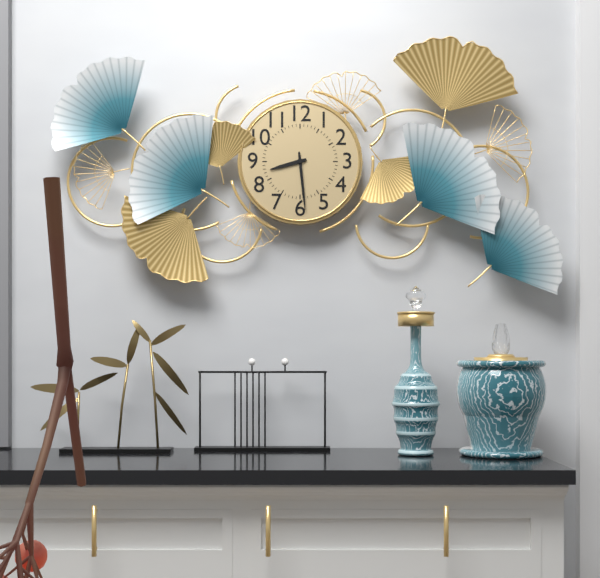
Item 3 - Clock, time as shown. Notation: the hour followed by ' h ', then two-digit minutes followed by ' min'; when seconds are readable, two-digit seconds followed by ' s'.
8 h 29 min
